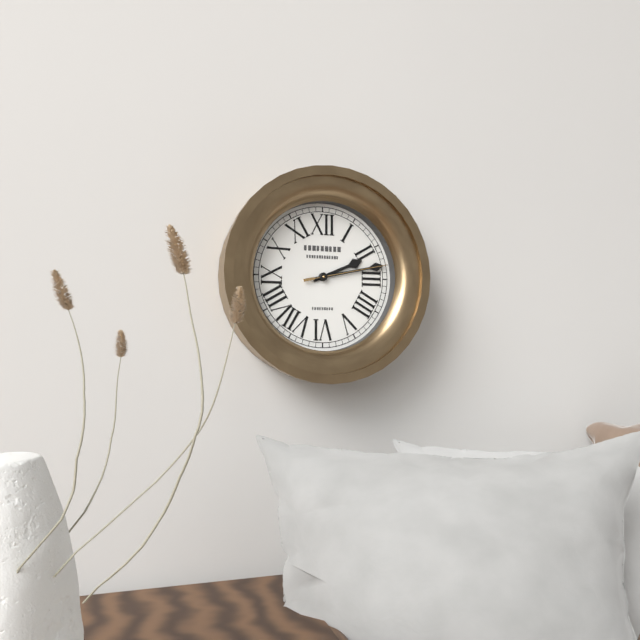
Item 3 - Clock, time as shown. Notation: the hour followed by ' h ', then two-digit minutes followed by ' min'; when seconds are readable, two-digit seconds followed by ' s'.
2 h 13 min 13 s
